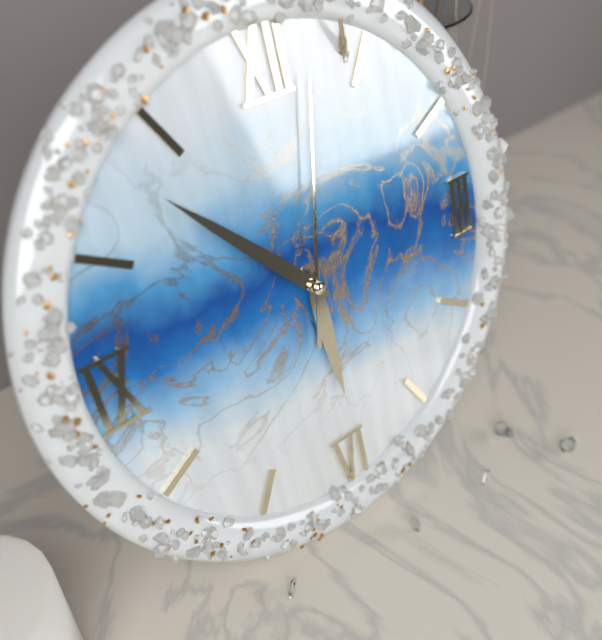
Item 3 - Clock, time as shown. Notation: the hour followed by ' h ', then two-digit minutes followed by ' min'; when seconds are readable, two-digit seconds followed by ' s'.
5 h 53 min 02 s
